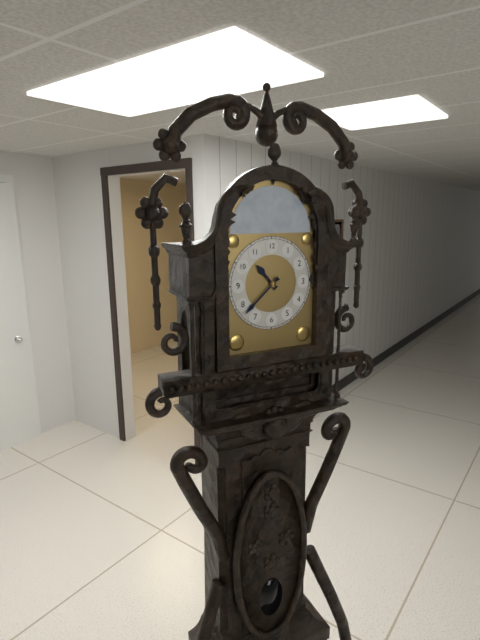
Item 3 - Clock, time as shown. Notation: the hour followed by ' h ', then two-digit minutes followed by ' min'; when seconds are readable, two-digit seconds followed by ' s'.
10 h 38 min
